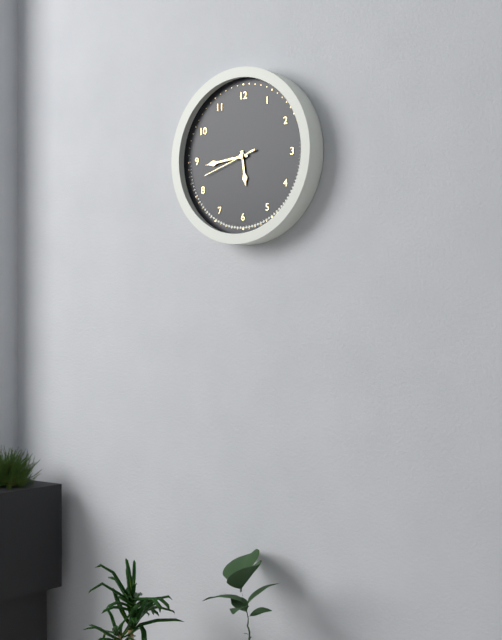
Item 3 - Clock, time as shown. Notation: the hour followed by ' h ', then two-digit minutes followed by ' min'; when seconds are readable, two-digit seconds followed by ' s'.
5 h 44 min 42 s
